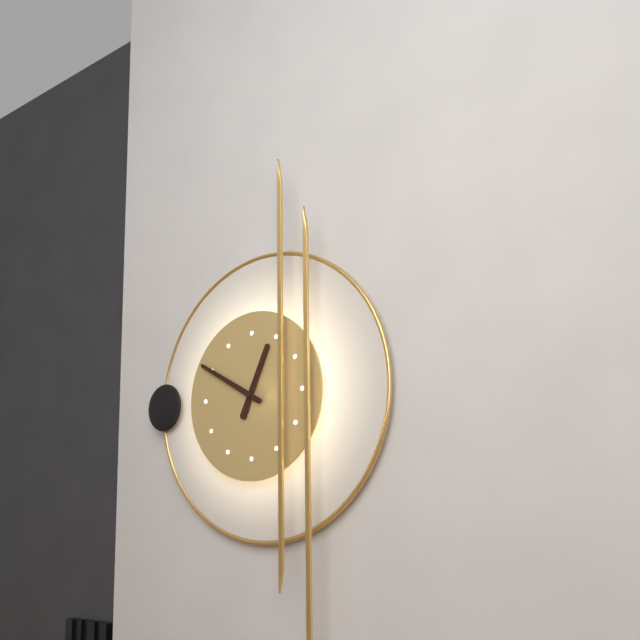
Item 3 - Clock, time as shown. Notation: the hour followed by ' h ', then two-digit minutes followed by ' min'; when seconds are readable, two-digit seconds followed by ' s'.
12 h 50 min
